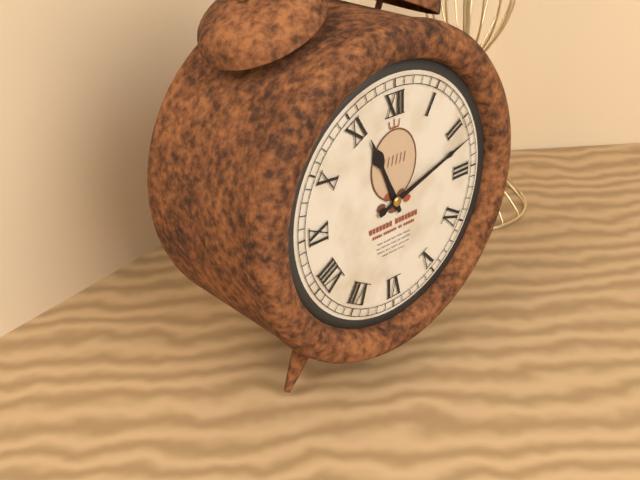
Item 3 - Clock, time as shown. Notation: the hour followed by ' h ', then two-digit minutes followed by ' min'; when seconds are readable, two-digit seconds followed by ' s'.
11 h 12 min
